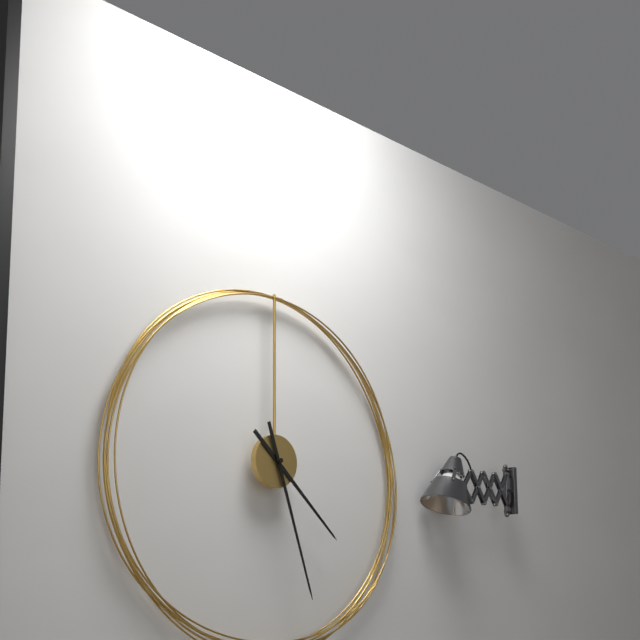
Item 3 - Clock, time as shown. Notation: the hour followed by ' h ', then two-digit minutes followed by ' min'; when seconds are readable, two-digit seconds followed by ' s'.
4 h 27 min
